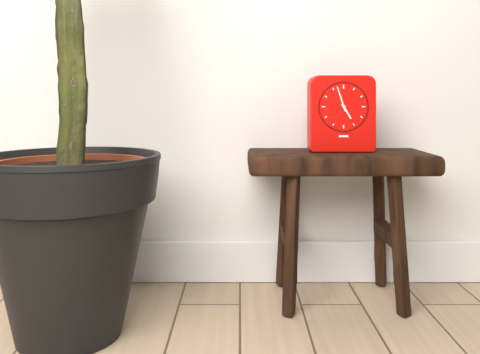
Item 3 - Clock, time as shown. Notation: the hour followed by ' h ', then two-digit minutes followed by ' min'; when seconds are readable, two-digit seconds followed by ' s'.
4 h 57 min
